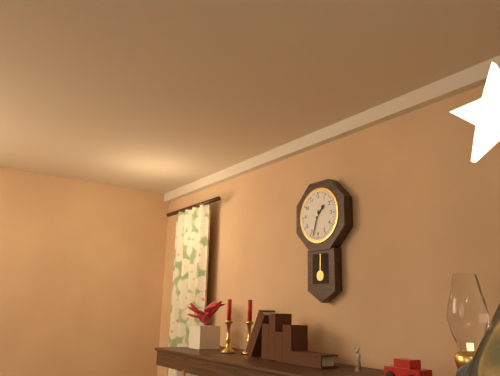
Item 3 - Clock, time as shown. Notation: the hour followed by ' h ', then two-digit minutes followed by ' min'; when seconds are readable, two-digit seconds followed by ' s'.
1 h 33 min
